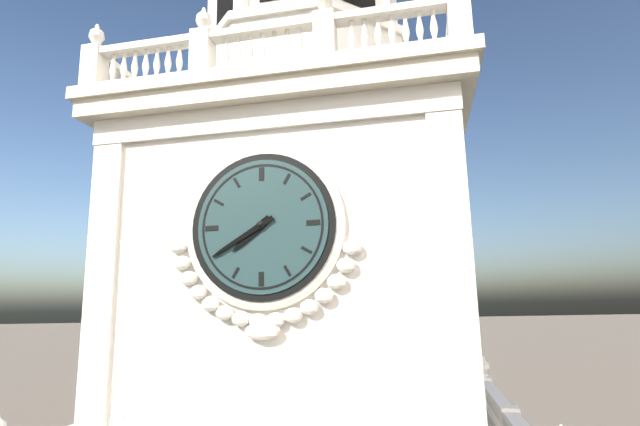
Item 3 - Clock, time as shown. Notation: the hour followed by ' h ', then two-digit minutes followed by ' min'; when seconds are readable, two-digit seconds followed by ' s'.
7 h 40 min
